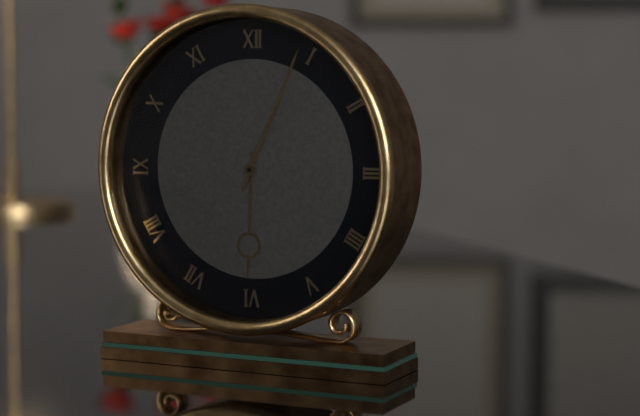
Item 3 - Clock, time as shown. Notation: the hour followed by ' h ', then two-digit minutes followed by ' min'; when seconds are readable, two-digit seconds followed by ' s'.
6 h 04 min
